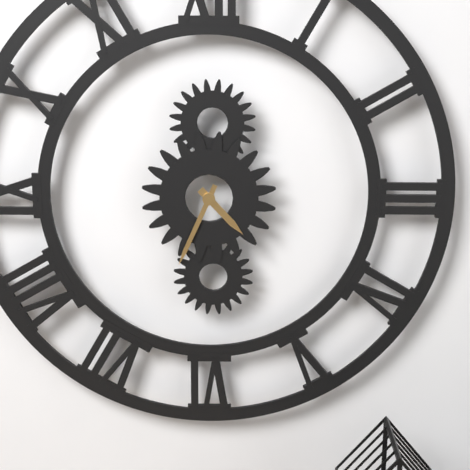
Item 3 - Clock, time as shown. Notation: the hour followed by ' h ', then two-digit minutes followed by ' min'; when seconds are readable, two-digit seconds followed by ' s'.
4 h 34 min
